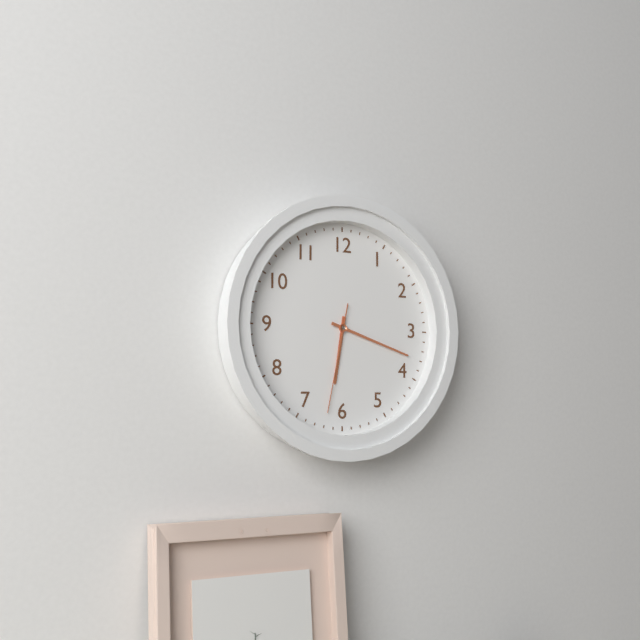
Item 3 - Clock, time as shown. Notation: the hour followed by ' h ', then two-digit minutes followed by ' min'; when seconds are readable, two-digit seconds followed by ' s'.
6 h 18 min 32 s
